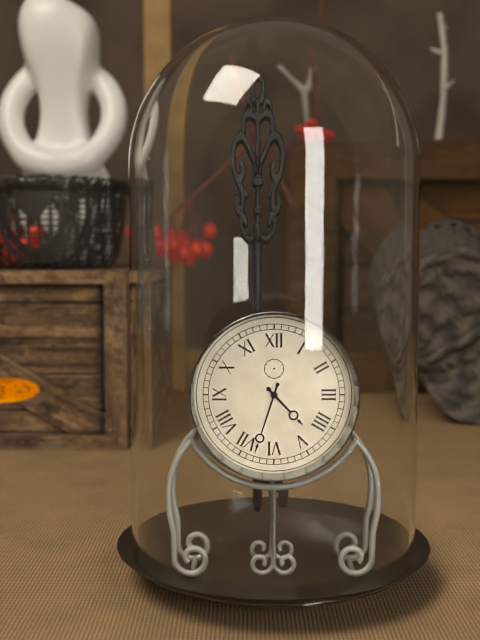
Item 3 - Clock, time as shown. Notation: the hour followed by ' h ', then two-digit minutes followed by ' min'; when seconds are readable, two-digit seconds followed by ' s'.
4 h 33 min
